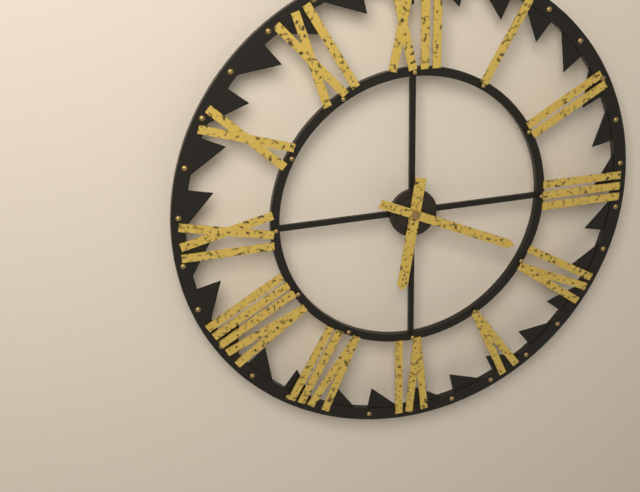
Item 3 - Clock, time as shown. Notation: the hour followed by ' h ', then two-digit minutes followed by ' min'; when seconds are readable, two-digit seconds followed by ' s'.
6 h 19 min
